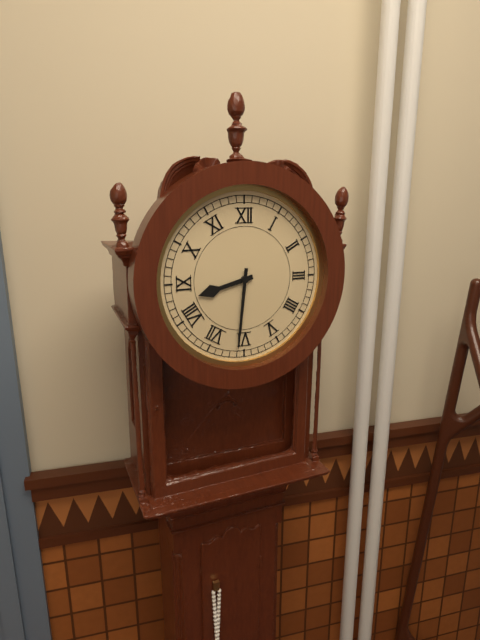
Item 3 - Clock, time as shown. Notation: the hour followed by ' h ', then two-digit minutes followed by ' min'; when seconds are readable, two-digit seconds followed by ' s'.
8 h 31 min
